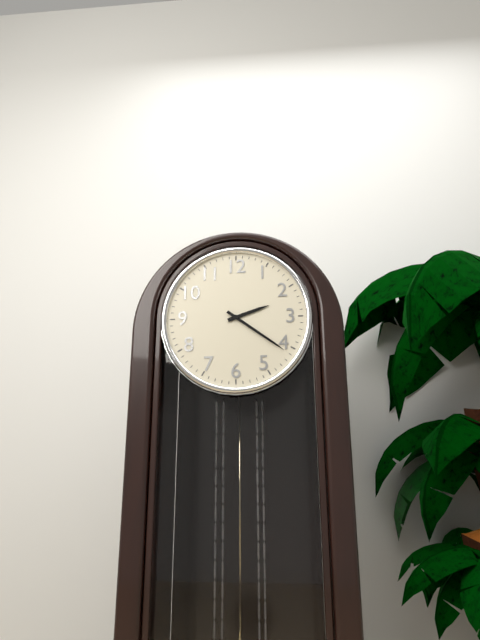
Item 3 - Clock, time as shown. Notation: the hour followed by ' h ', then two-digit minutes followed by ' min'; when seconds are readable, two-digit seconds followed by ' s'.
2 h 21 min
